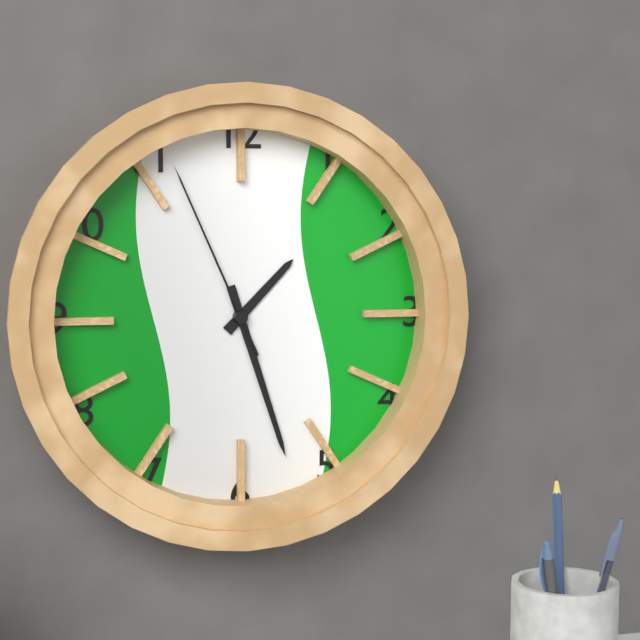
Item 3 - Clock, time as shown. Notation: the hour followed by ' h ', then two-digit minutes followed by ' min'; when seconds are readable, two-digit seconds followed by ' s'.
1 h 27 min 56 s
